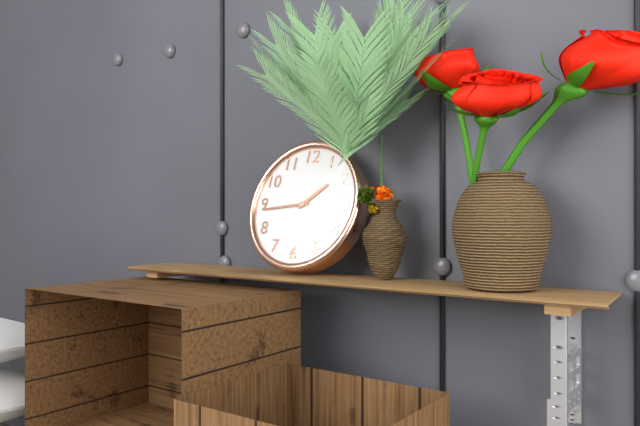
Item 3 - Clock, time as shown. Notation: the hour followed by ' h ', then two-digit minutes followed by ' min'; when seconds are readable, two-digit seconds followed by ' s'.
1 h 44 min
